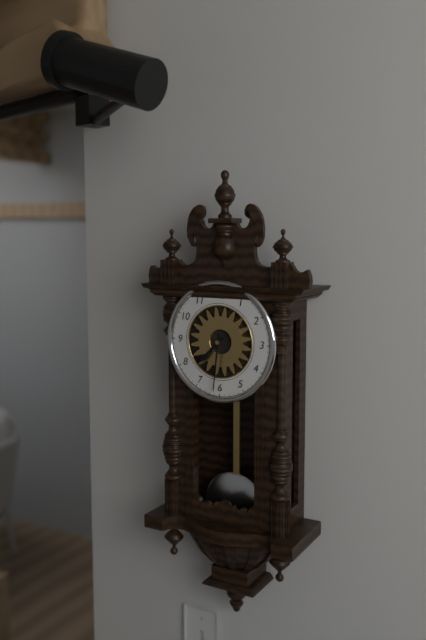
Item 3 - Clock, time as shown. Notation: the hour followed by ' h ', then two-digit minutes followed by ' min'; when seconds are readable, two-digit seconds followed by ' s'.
7 h 31 min
